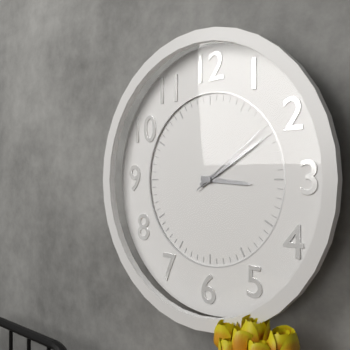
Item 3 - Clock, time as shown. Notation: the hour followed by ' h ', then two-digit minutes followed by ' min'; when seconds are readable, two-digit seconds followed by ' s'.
3 h 10 min 09 s
